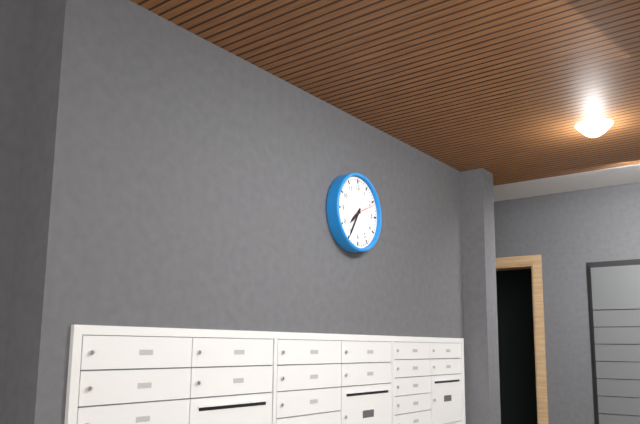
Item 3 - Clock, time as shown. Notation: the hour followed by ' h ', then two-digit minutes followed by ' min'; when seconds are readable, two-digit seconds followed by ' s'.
7 h 35 min
